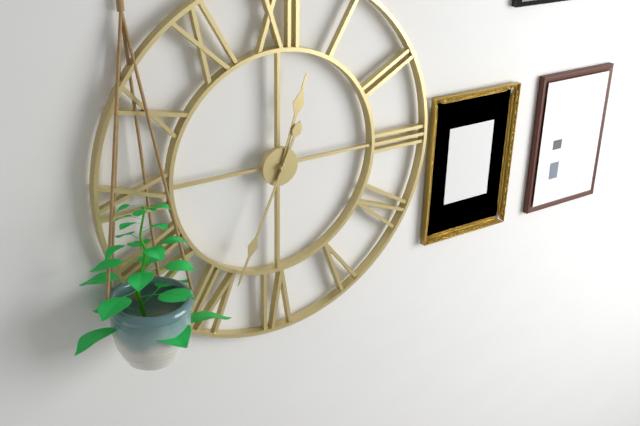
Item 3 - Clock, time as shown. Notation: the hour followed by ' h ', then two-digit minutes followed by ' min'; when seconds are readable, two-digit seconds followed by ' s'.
12 h 34 min
